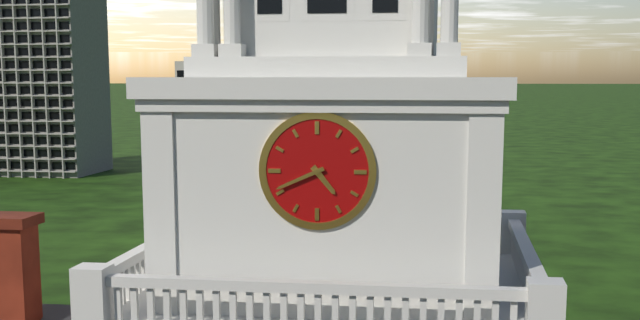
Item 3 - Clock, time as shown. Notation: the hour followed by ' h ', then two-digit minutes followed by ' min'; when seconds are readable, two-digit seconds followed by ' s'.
4 h 41 min
